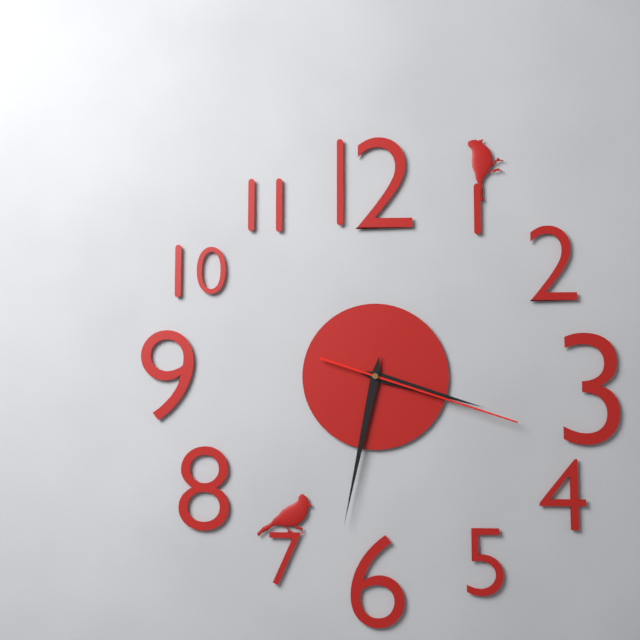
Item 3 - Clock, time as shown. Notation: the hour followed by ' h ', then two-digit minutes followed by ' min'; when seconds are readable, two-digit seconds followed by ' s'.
3 h 32 min 18 s
